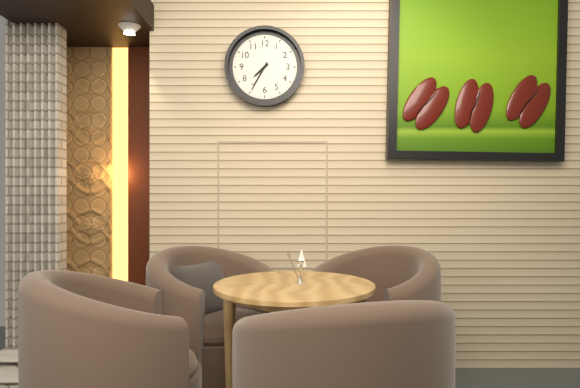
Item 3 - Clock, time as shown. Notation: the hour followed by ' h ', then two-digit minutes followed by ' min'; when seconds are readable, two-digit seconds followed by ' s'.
7 h 35 min
